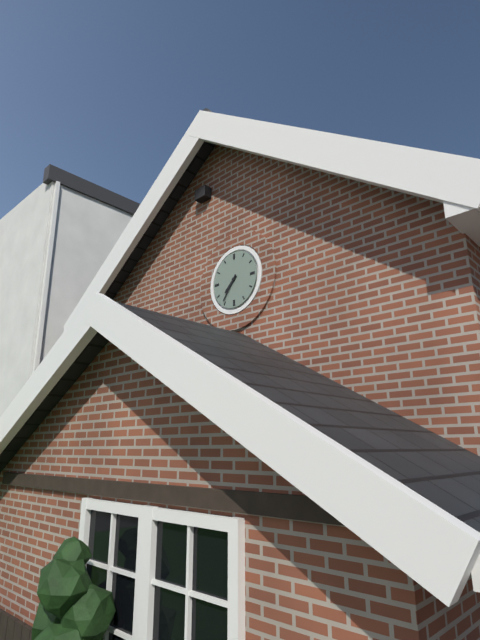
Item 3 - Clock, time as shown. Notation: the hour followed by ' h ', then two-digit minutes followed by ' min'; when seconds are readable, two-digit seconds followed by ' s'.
7 h 36 min
